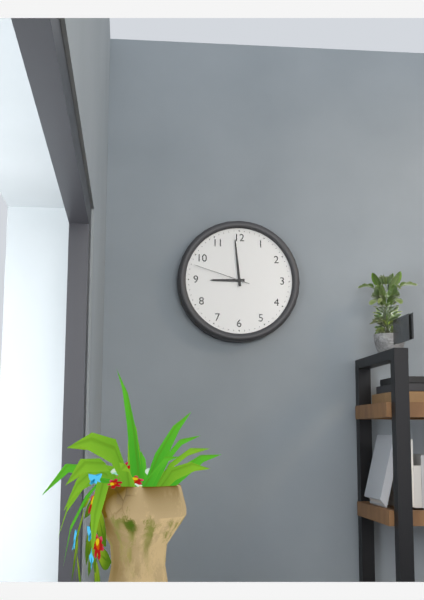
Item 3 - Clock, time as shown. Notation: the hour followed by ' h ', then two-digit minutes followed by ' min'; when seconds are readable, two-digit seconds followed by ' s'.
8 h 59 min 48 s
